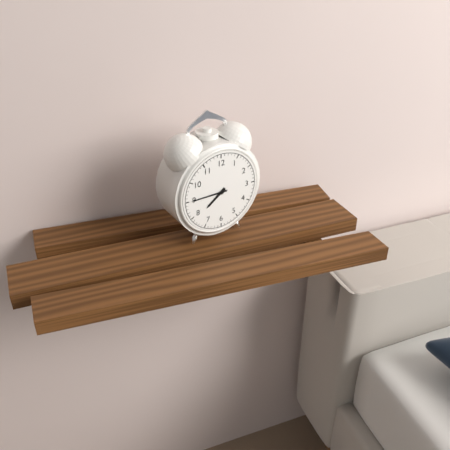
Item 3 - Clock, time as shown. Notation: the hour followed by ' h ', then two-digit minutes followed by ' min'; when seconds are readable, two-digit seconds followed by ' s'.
7 h 45 min
